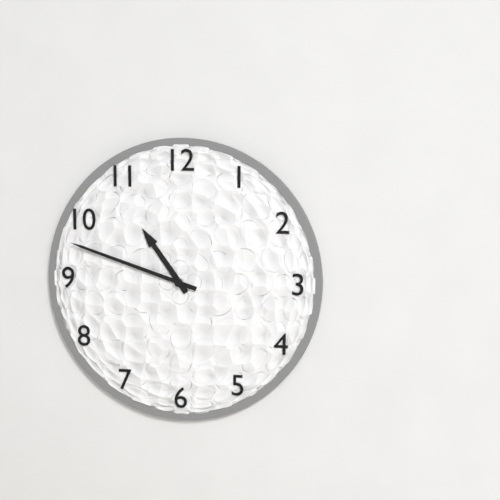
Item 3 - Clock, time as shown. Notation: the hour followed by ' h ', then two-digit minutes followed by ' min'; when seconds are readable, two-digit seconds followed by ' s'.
10 h 48 min
